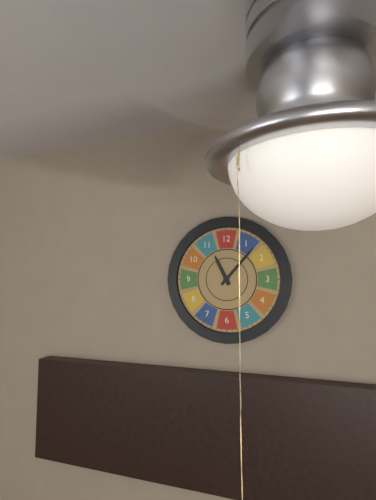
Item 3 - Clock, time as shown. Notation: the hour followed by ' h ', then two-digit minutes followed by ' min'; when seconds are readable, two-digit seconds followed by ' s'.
11 h 07 min
